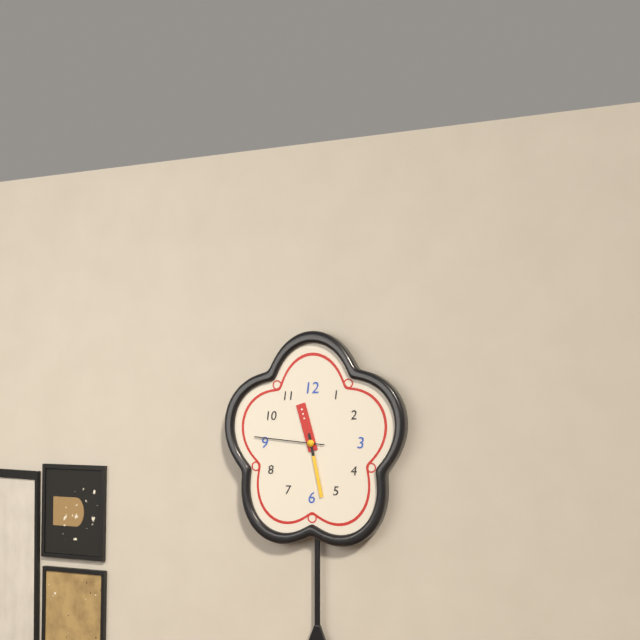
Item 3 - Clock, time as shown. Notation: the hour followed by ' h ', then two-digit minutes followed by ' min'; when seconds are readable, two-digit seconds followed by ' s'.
11 h 28 min 46 s
